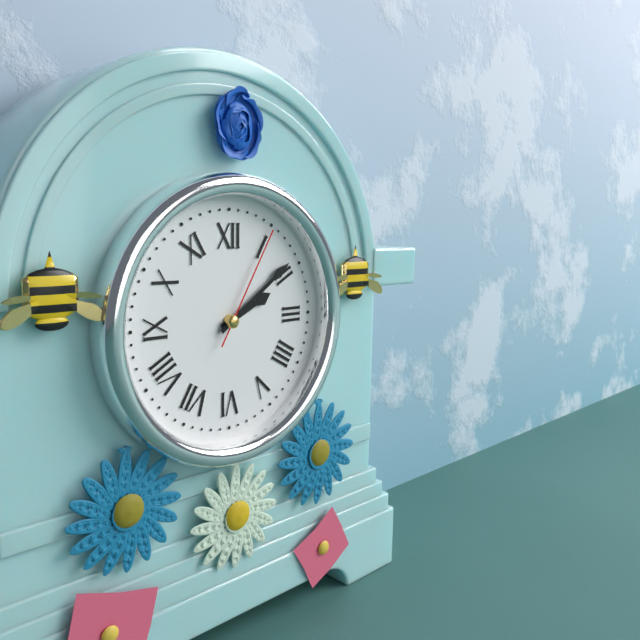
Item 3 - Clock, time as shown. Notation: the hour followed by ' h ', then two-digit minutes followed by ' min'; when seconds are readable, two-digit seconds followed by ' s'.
2 h 09 min 05 s
